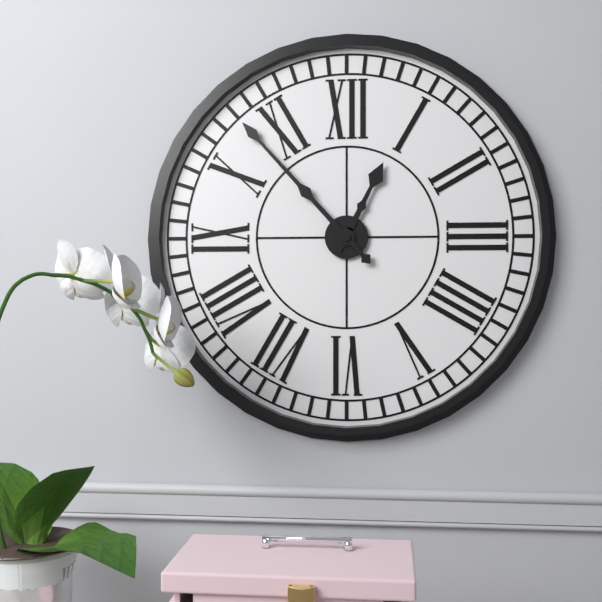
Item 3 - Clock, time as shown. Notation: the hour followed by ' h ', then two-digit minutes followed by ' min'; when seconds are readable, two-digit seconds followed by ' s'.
12 h 53 min
